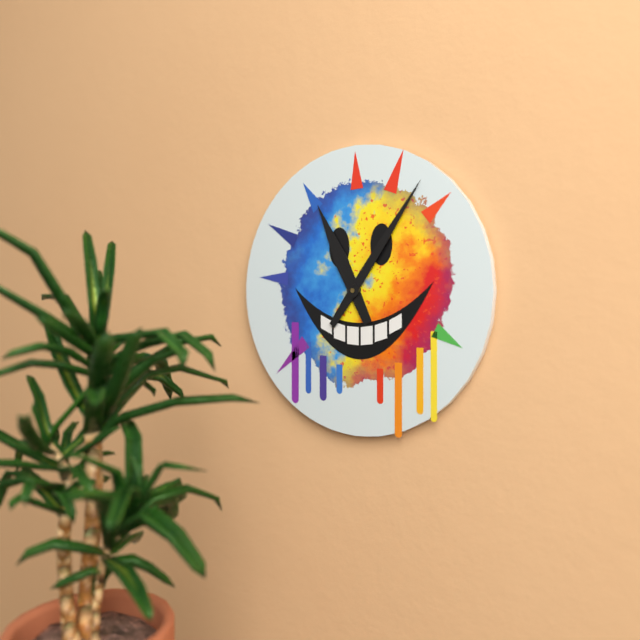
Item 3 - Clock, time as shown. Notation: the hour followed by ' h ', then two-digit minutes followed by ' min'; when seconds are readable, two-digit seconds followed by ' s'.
11 h 06 min
